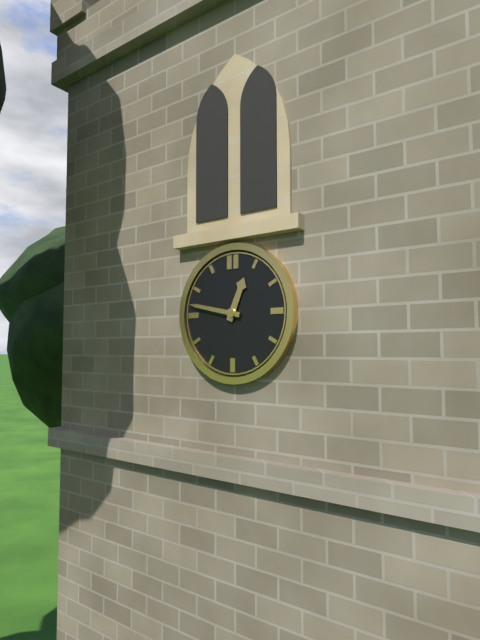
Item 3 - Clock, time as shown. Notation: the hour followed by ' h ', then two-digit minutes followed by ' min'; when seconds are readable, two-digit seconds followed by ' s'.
12 h 47 min
